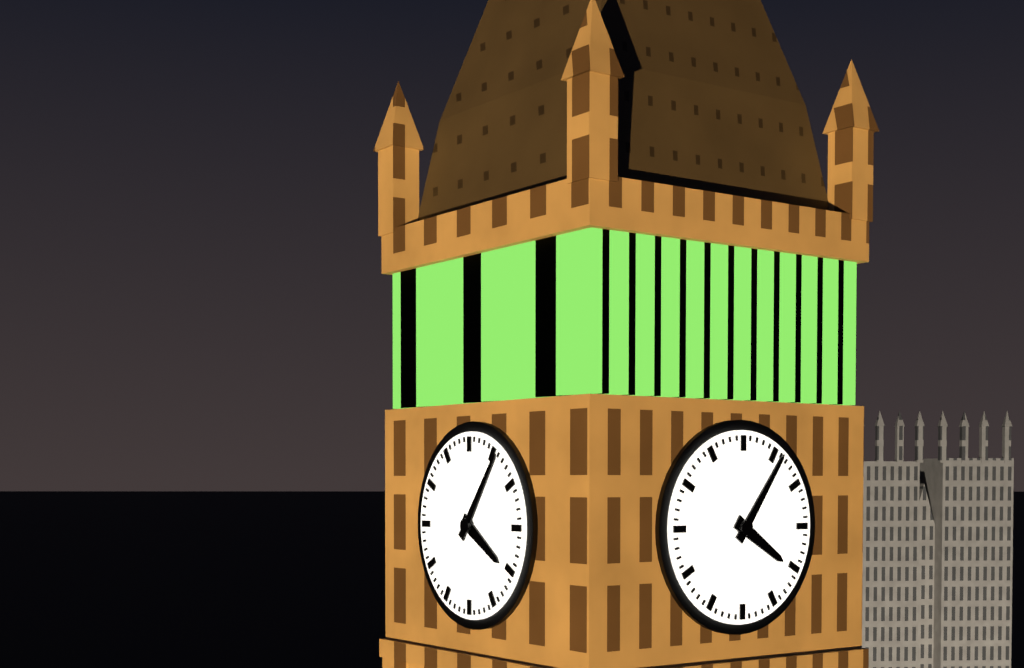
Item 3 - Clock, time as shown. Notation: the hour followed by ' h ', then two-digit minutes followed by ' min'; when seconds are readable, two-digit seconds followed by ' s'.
4 h 06 min
